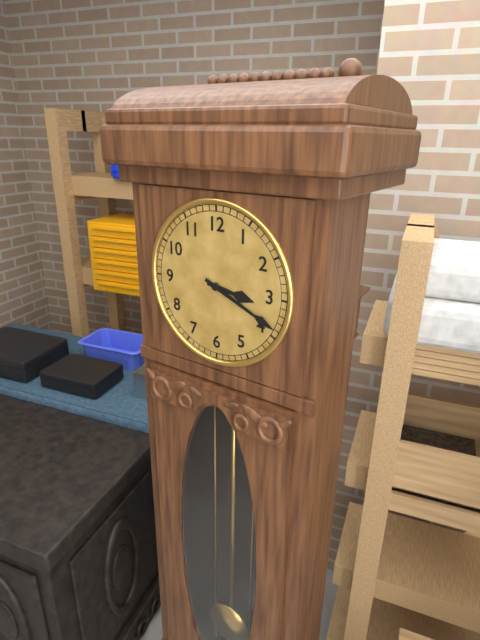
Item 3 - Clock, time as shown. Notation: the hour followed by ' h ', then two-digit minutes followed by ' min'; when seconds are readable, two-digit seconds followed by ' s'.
3 h 19 min
